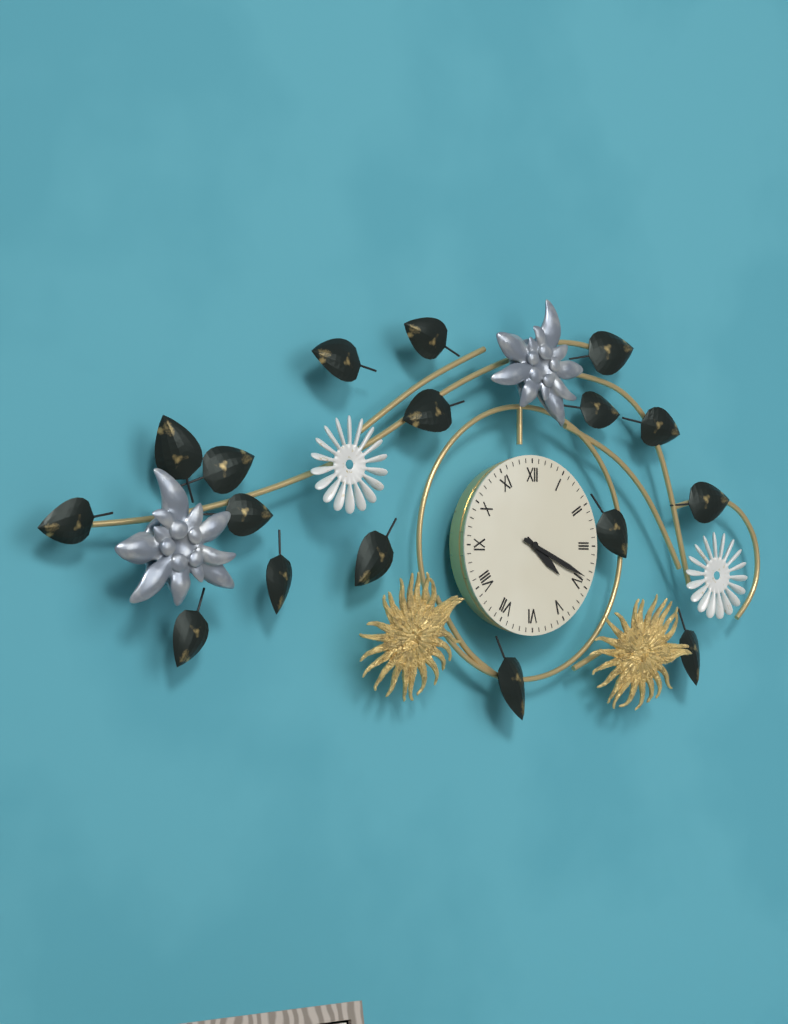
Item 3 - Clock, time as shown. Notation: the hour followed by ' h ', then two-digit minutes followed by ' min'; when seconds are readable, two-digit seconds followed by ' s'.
4 h 19 min
